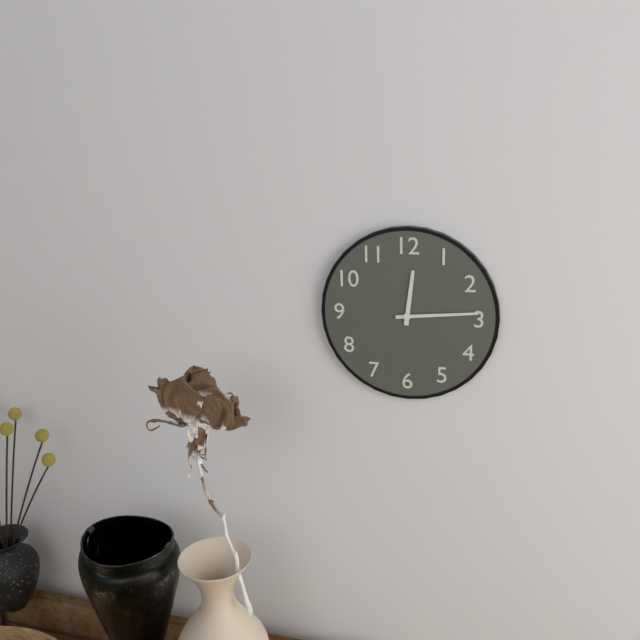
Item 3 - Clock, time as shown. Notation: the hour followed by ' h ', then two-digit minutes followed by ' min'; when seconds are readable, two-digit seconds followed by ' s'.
12 h 14 min
